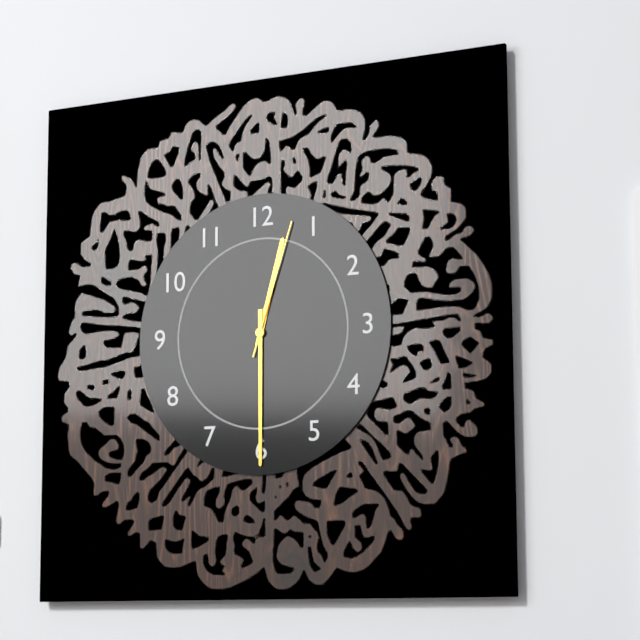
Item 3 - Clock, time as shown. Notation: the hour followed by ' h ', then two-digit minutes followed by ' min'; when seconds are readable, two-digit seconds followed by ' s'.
12 h 30 min 03 s
